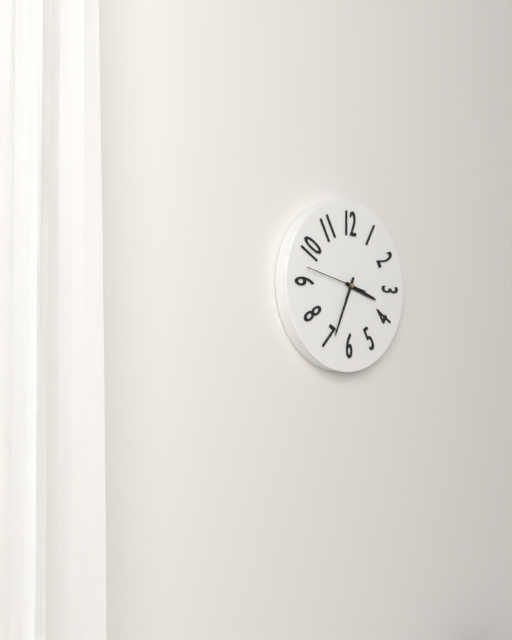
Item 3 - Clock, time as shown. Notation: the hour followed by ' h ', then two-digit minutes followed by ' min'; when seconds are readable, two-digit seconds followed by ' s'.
3 h 34 min
